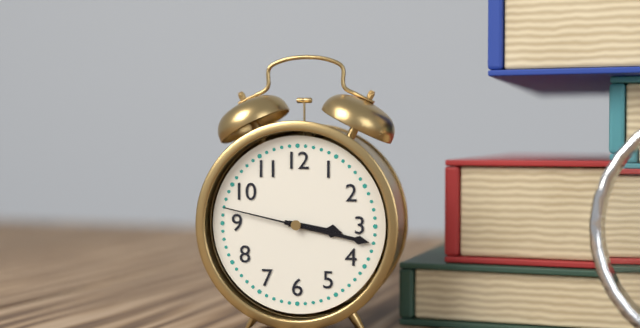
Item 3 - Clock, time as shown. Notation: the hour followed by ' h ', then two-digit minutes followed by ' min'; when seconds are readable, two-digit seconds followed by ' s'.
3 h 17 min 47 s
